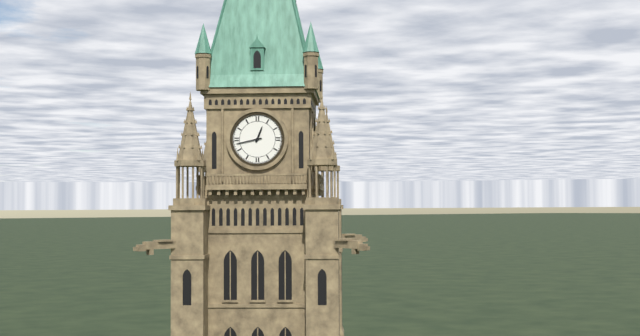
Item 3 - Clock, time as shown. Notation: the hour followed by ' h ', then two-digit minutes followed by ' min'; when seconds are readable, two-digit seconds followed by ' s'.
12 h 43 min
